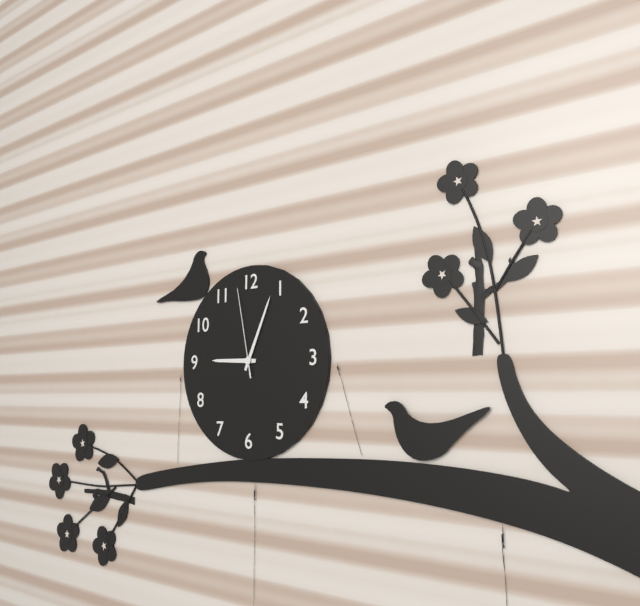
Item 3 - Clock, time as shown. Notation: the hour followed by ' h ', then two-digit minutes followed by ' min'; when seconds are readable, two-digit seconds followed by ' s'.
9 h 04 min 58 s
